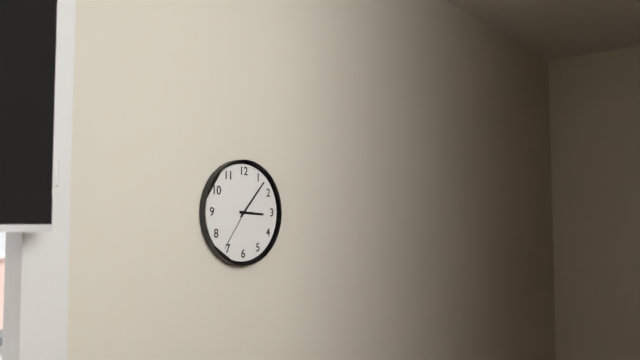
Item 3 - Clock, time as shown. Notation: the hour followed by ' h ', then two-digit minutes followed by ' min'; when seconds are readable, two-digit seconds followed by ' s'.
3 h 07 min 36 s
